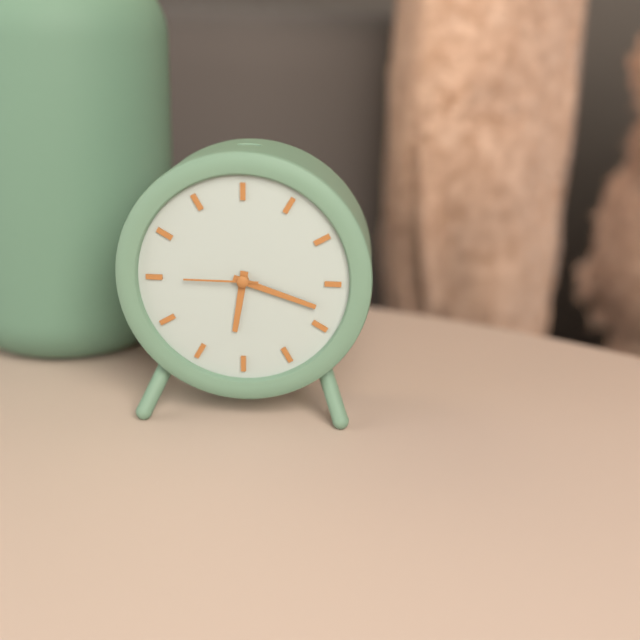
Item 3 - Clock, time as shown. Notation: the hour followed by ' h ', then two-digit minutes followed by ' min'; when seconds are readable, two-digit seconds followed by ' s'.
6 h 18 min 45 s
